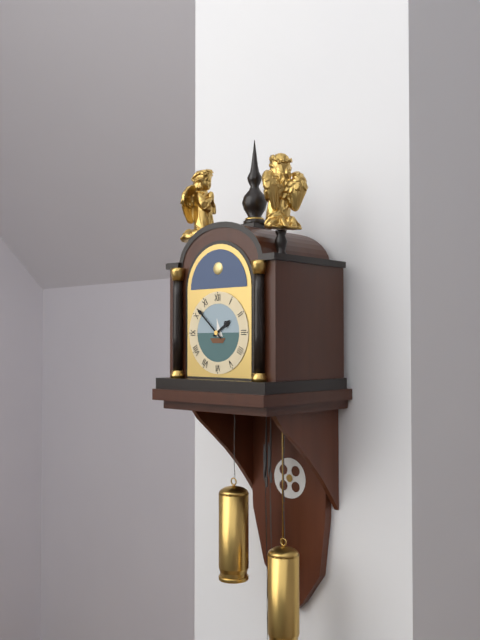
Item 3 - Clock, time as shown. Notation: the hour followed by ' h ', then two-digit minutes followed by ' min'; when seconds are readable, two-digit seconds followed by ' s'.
1 h 52 min
